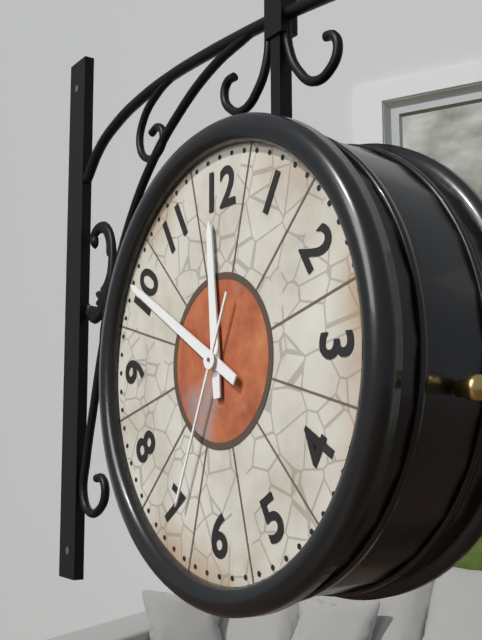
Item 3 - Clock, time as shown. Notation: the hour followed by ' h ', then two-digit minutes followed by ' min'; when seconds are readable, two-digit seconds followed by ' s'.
11 h 50 min 34 s
